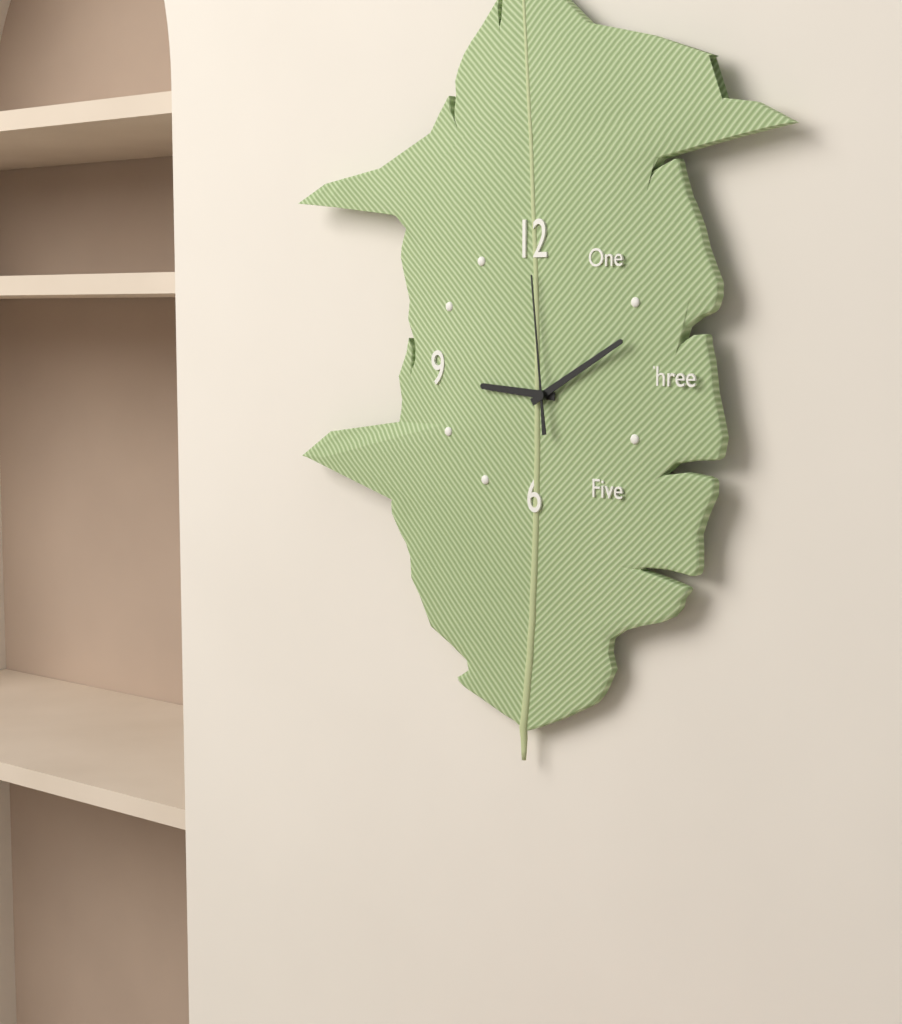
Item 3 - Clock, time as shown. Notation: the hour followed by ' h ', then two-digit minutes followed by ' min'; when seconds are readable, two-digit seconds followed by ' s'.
9 h 10 min 59 s
